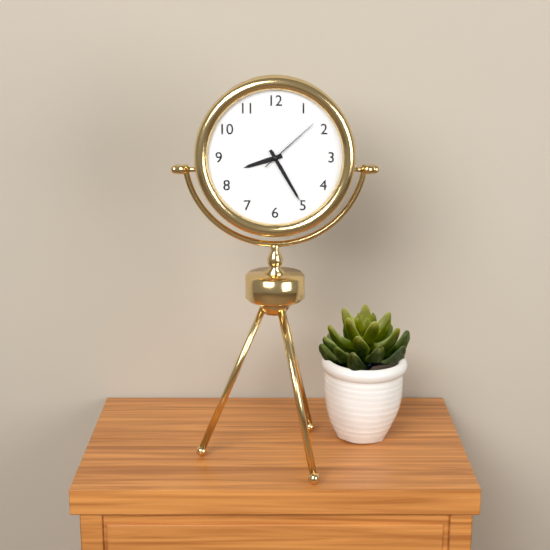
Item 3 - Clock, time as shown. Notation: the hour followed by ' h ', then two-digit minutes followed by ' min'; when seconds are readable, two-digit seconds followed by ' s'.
8 h 25 min 08 s
